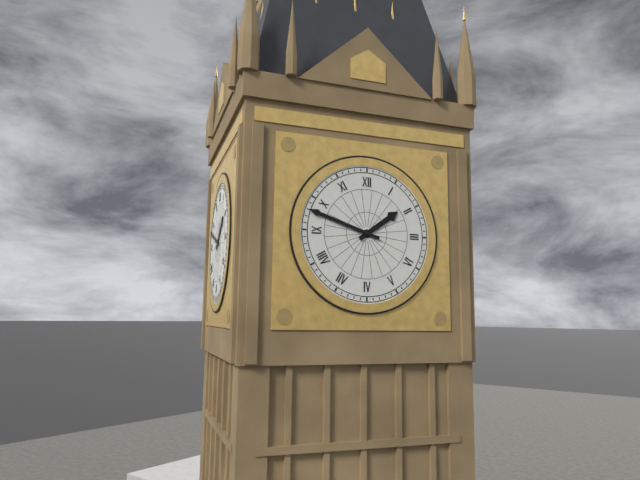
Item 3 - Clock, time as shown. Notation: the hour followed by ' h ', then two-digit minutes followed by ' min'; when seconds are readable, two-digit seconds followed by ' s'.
1 h 48 min
